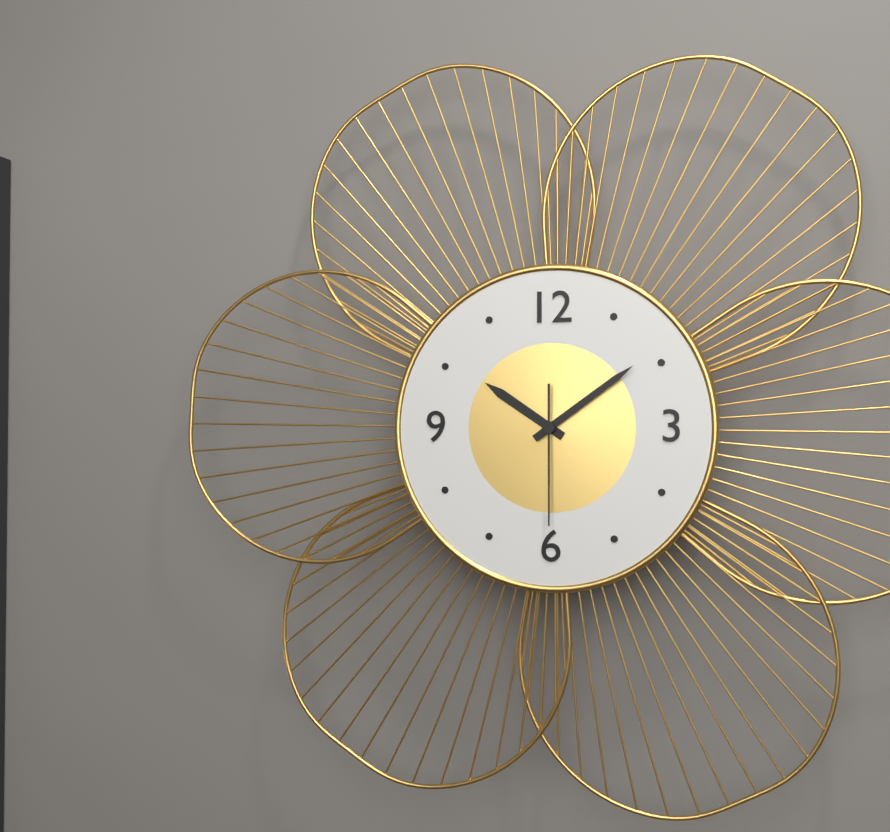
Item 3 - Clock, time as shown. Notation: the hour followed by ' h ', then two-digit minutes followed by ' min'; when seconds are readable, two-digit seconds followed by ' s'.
10 h 09 min 30 s
